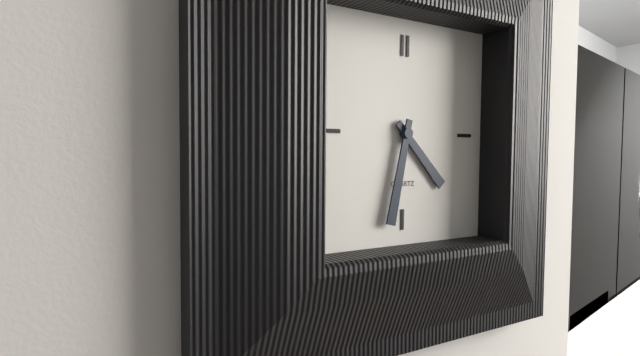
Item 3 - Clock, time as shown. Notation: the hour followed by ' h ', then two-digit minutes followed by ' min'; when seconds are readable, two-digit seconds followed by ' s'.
4 h 32 min
